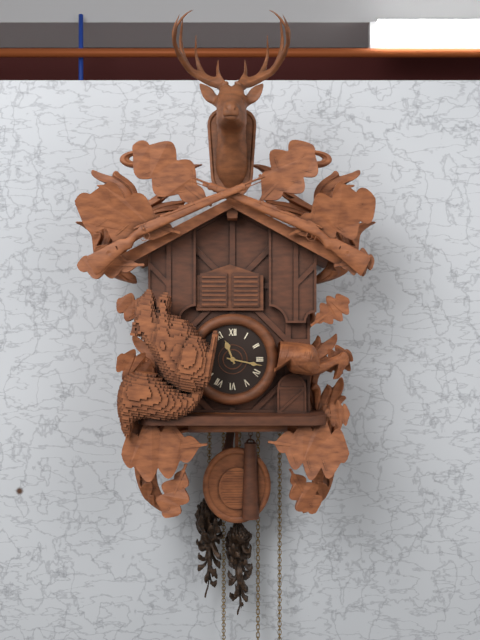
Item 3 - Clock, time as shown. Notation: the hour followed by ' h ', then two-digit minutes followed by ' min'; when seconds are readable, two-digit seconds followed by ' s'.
11 h 17 min
